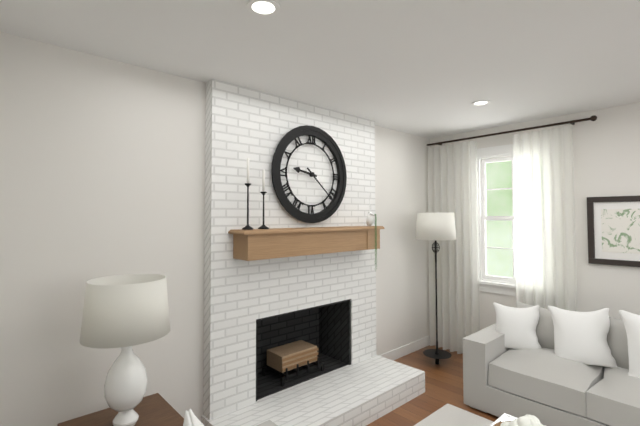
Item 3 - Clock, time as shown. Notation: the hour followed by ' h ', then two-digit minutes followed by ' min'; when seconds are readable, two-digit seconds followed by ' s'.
9 h 22 min
